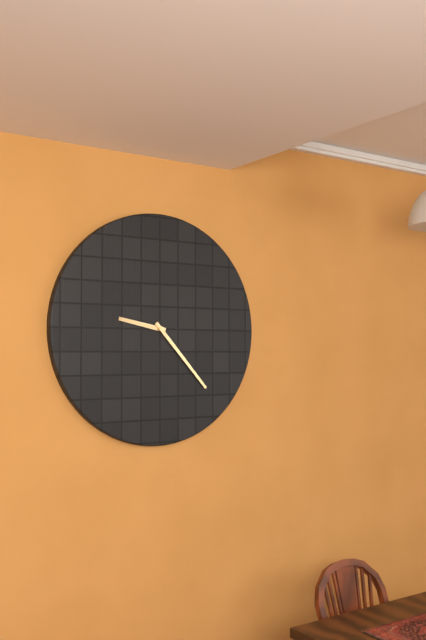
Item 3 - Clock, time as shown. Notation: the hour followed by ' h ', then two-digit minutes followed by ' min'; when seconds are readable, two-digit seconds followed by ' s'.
9 h 23 min
